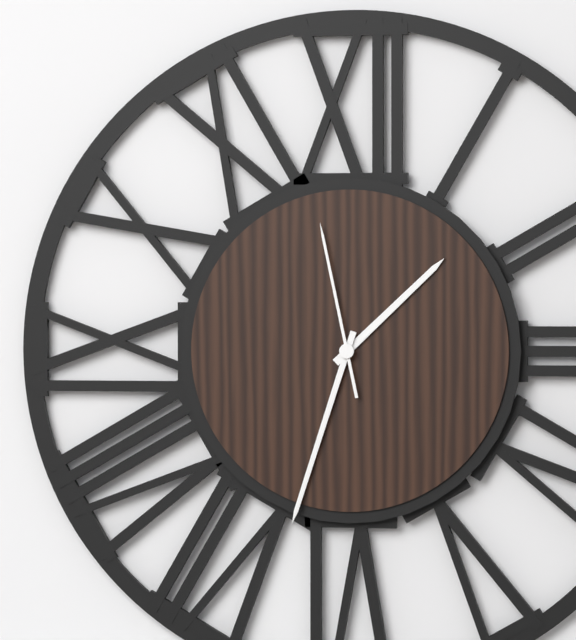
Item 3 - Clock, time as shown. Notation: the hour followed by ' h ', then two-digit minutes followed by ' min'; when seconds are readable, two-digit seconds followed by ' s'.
1 h 33 min 58 s
